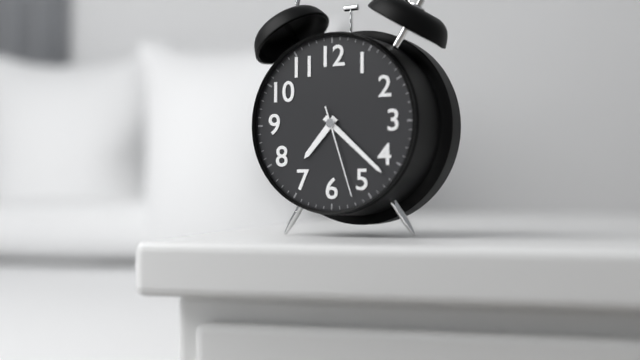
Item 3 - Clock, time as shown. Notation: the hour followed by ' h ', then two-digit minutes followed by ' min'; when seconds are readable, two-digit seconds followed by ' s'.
7 h 22 min 27 s
